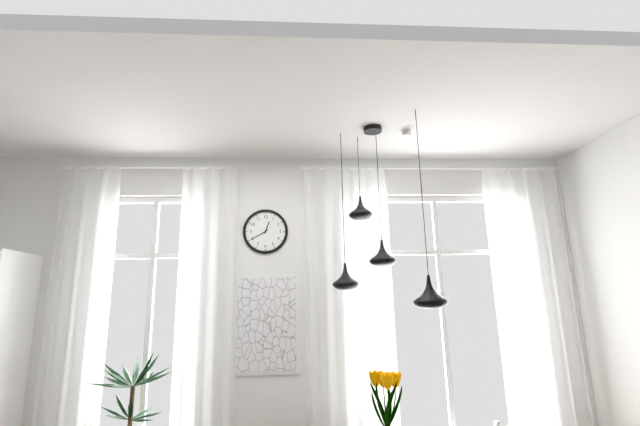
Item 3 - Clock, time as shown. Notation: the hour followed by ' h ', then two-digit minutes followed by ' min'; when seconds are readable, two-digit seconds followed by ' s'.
12 h 40 min
